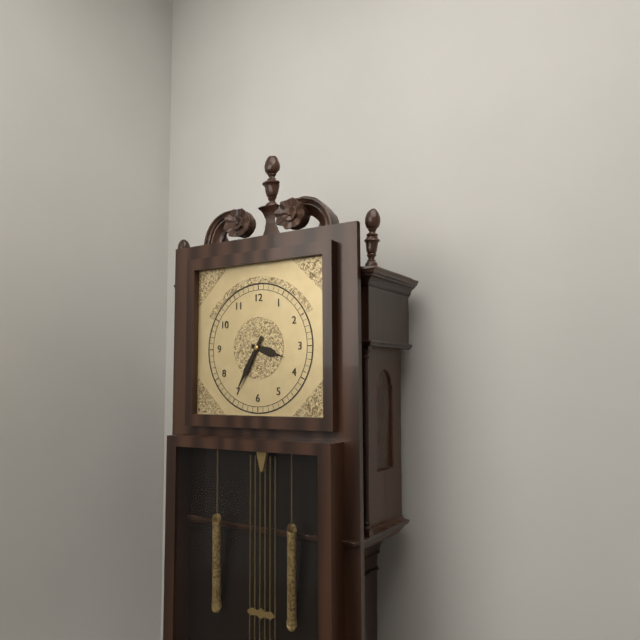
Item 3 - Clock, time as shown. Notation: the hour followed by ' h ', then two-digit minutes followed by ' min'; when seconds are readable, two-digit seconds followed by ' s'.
3 h 35 min
